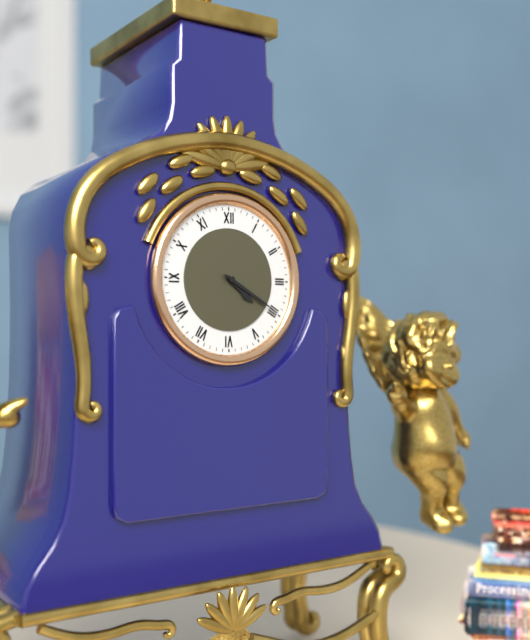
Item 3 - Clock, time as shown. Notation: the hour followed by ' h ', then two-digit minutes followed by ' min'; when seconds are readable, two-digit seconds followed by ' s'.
4 h 20 min
